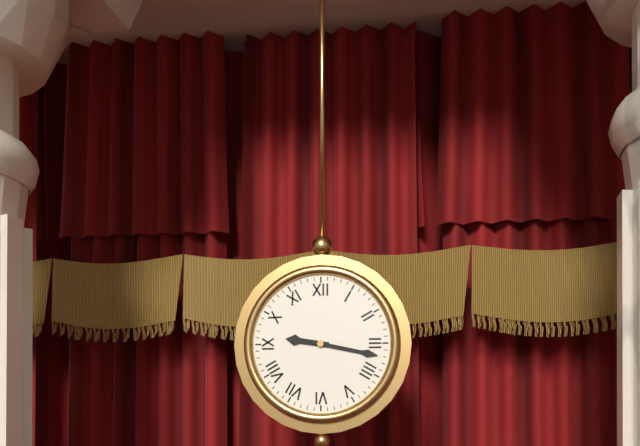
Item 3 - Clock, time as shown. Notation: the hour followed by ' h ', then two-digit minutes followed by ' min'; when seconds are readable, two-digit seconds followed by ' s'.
9 h 17 min
